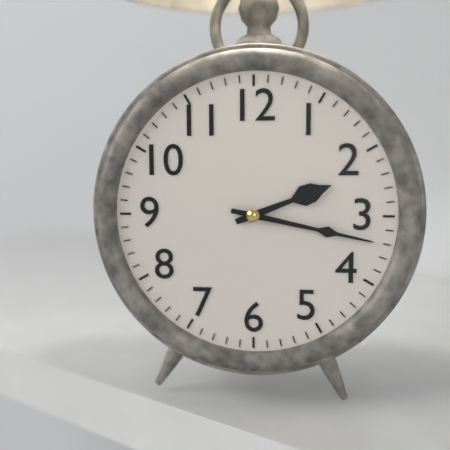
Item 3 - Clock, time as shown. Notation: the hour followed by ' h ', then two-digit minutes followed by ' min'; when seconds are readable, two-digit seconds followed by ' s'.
2 h 17 min
